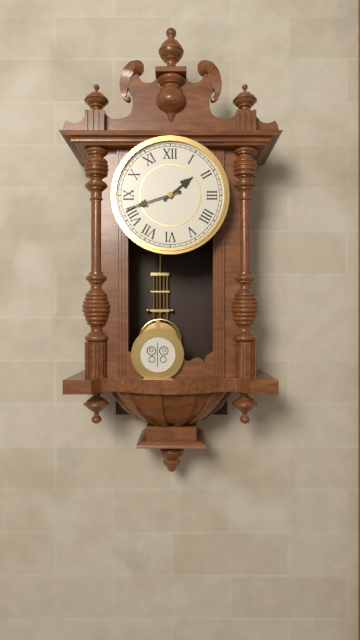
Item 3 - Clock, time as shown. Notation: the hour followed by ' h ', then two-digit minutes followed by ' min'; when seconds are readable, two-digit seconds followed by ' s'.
1 h 42 min
